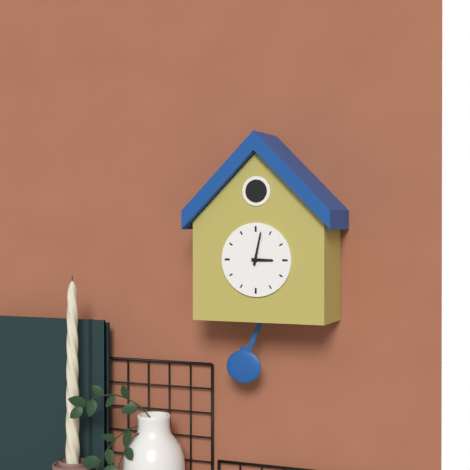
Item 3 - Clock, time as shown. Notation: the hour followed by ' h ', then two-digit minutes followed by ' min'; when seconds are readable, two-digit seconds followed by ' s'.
3 h 02 min
